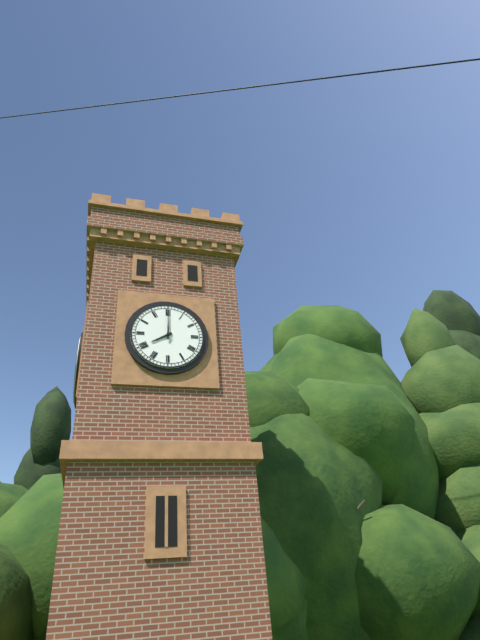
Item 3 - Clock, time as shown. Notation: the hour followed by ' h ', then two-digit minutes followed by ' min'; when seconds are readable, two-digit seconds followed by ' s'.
8 h 00 min
